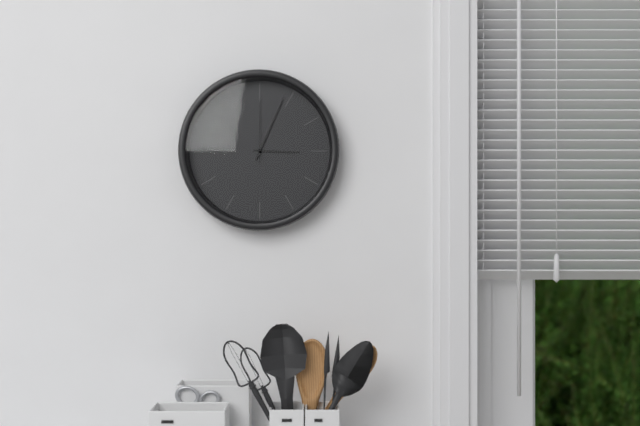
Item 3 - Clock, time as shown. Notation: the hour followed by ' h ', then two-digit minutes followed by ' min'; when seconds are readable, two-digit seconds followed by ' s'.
3 h 04 min 00 s
